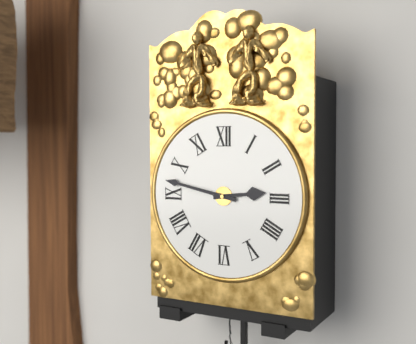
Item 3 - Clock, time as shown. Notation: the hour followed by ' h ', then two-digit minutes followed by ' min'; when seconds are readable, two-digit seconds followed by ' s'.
2 h 47 min
